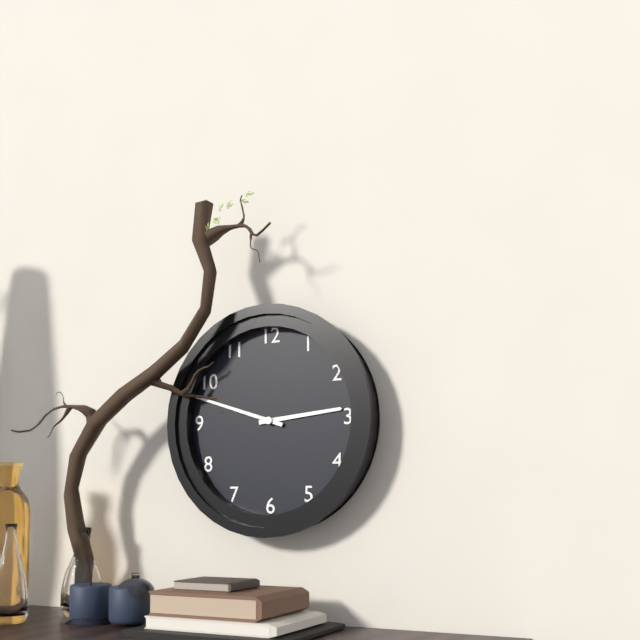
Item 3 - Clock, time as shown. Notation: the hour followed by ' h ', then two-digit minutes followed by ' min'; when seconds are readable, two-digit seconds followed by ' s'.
2 h 48 min
